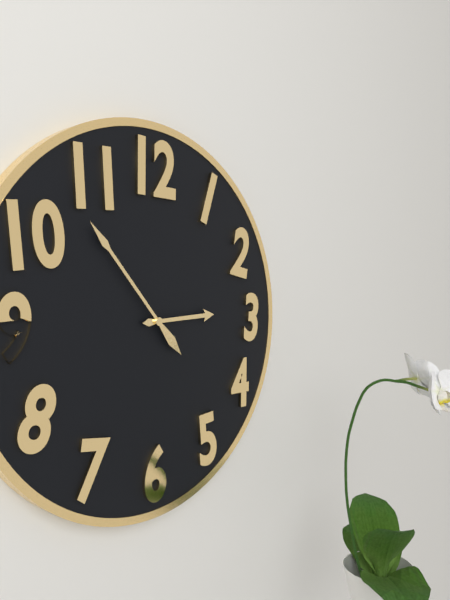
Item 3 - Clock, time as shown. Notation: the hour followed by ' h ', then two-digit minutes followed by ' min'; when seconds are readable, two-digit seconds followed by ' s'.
2 h 53 min
